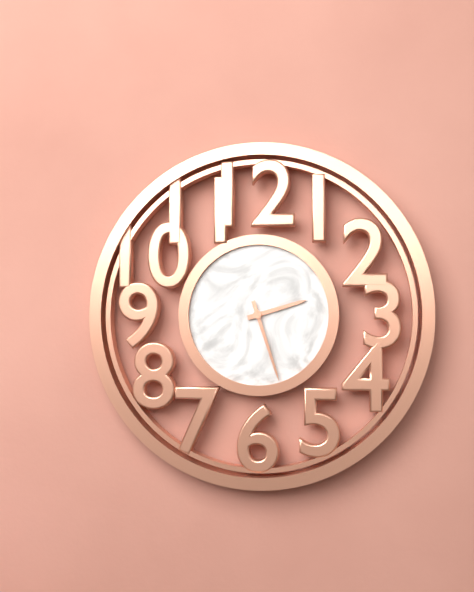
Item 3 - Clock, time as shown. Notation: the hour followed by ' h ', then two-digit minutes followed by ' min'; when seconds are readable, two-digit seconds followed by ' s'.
2 h 27 min
